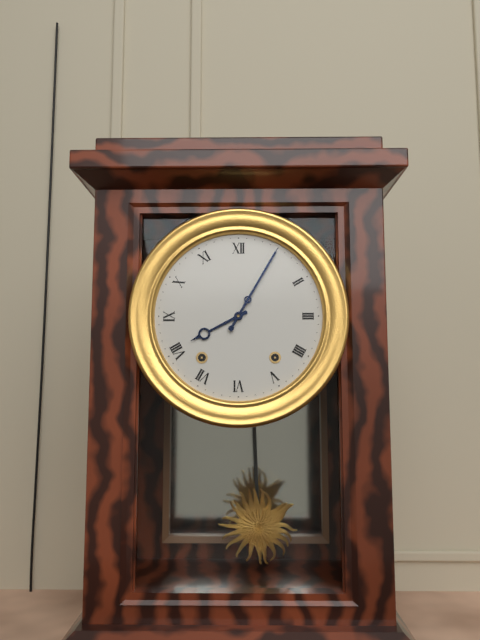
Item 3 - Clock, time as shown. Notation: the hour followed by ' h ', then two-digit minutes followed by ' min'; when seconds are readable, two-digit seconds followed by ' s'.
8 h 05 min
